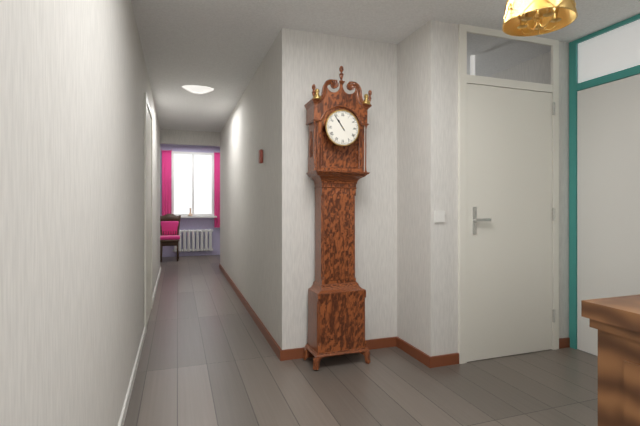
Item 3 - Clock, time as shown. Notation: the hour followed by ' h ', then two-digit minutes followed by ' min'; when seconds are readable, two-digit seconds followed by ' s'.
10 h 54 min
